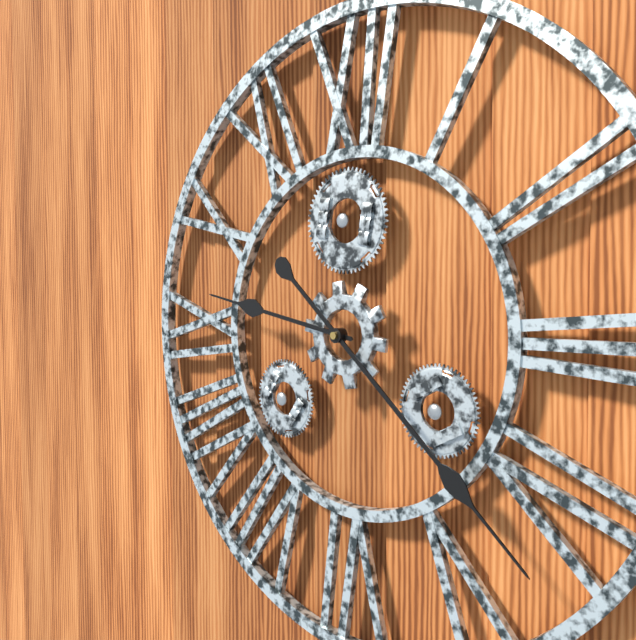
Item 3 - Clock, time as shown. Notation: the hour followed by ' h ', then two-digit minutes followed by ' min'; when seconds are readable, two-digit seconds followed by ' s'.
9 h 22 min
